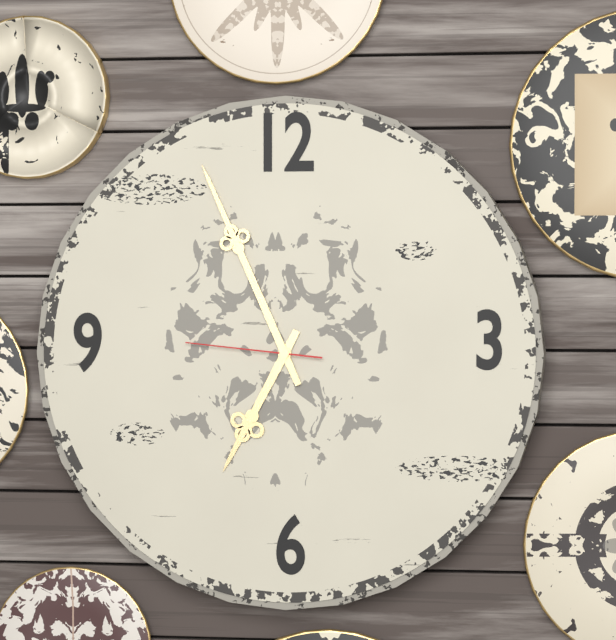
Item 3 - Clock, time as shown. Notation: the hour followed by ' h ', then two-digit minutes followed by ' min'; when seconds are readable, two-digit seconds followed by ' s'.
6 h 56 min 46 s
